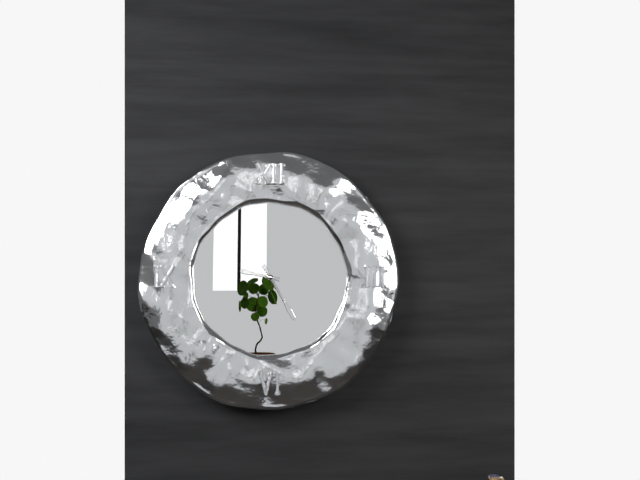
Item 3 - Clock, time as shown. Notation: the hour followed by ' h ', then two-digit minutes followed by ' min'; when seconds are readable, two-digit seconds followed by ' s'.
9 h 25 min
